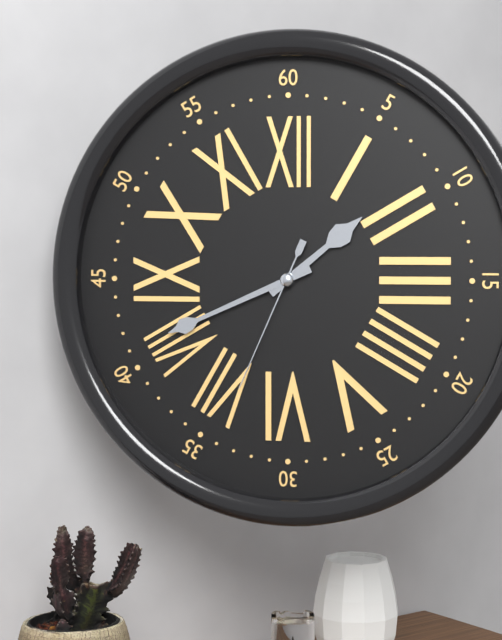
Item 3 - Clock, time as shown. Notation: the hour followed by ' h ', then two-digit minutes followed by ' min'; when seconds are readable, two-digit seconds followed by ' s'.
1 h 41 min 34 s
